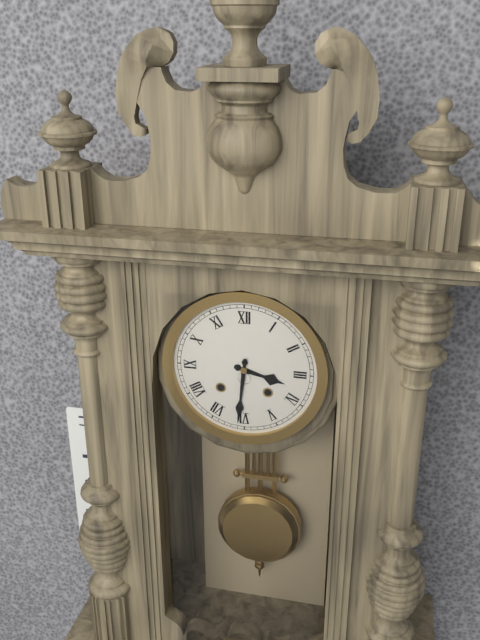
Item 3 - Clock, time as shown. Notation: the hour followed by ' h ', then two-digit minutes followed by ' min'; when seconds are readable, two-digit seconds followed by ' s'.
3 h 31 min
